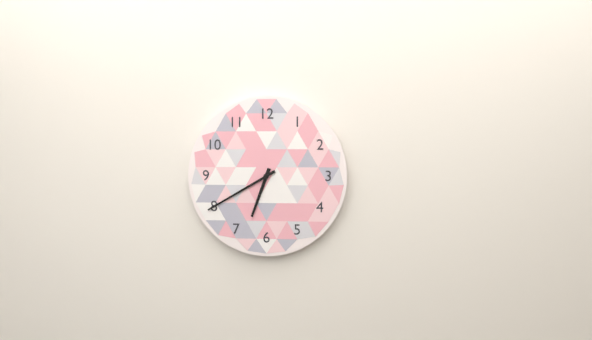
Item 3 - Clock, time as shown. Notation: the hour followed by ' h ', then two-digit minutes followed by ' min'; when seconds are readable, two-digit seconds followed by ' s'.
6 h 40 min
